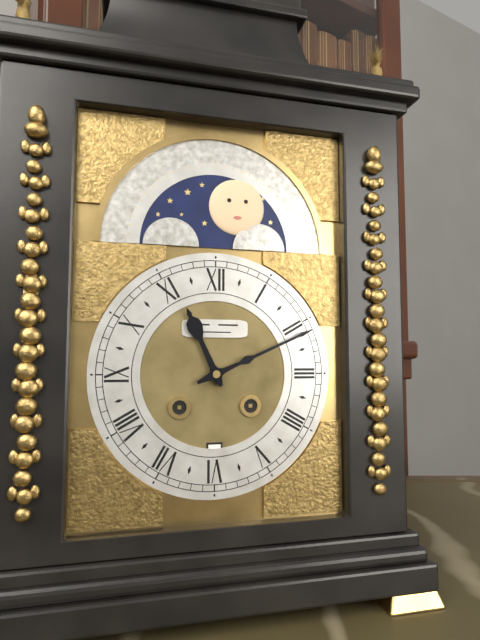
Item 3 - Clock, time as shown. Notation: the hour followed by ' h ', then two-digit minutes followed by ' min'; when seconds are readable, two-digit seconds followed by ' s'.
11 h 11 min
